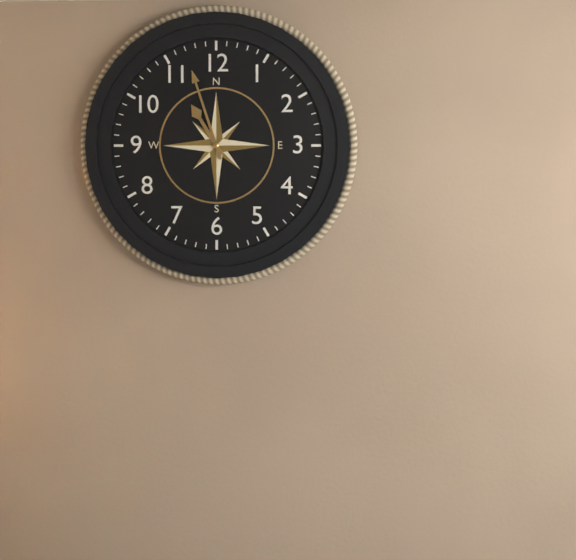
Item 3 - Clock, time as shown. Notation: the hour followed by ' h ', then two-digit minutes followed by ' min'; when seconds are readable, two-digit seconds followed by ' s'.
10 h 57 min
